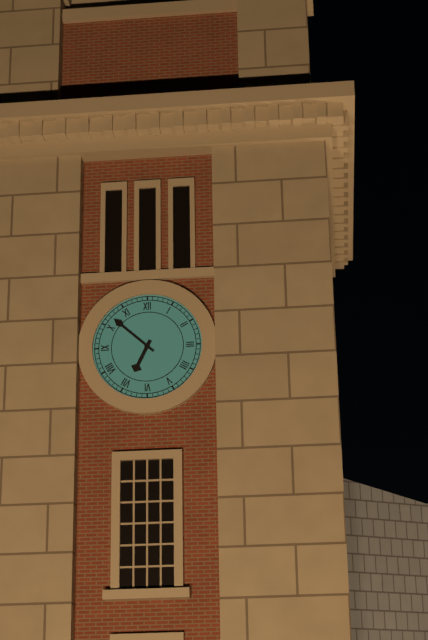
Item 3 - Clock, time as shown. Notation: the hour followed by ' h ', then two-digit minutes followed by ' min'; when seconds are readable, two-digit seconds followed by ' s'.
6 h 52 min
